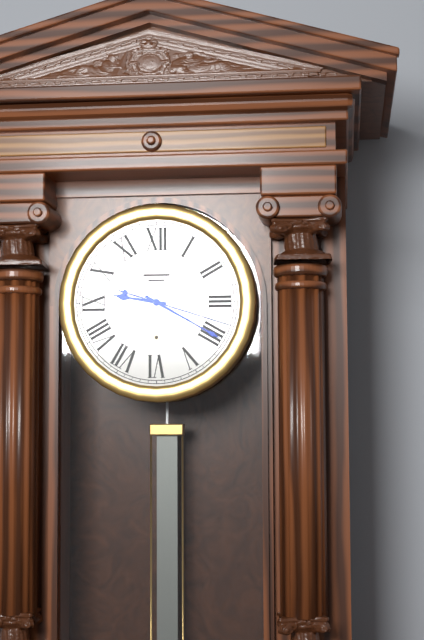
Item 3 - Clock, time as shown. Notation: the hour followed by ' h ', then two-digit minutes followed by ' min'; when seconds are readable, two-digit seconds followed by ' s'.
9 h 20 min 18 s
